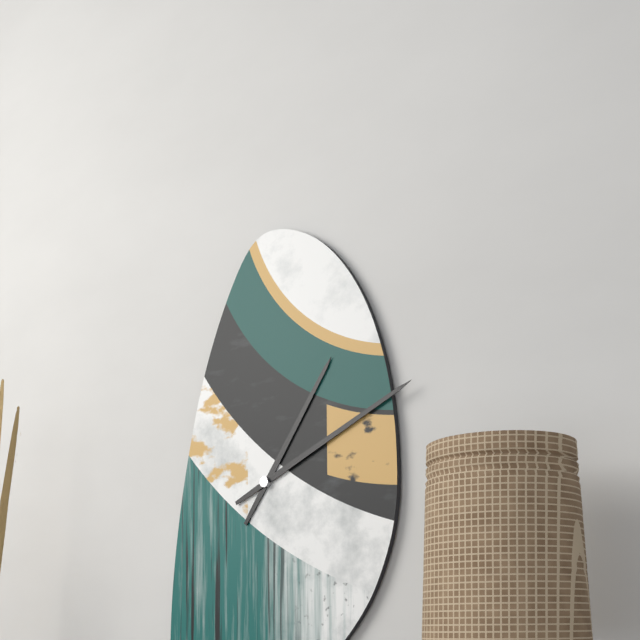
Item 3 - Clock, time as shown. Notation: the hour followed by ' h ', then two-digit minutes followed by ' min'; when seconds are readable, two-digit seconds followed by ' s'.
1 h 11 min
